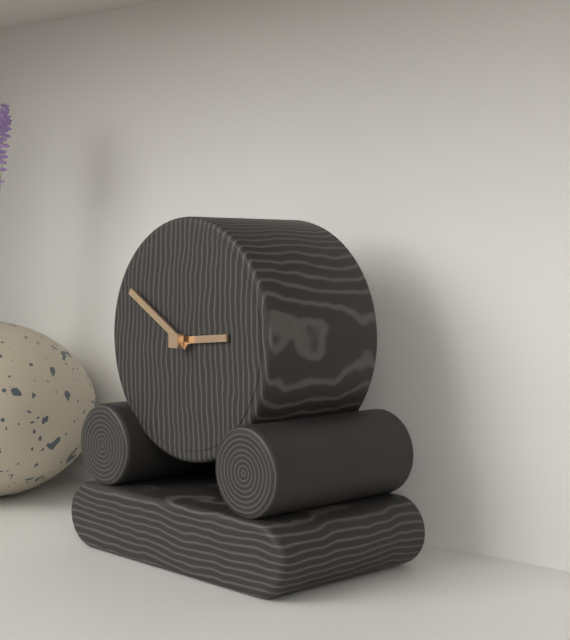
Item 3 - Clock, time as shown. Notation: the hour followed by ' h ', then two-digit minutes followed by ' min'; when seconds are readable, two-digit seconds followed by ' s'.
2 h 50 min
